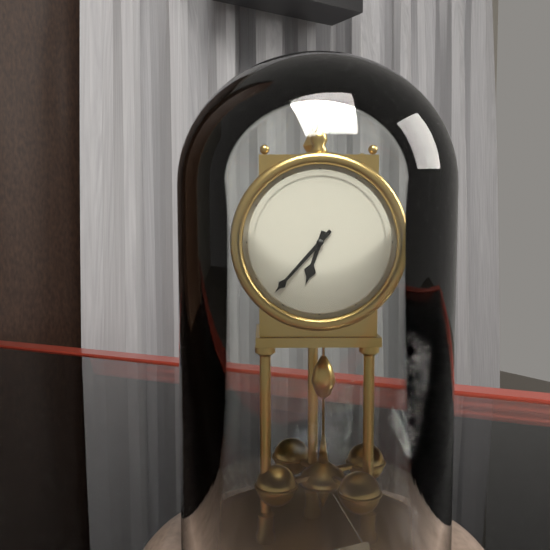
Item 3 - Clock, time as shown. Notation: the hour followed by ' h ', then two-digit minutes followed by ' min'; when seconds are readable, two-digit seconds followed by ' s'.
6 h 37 min
